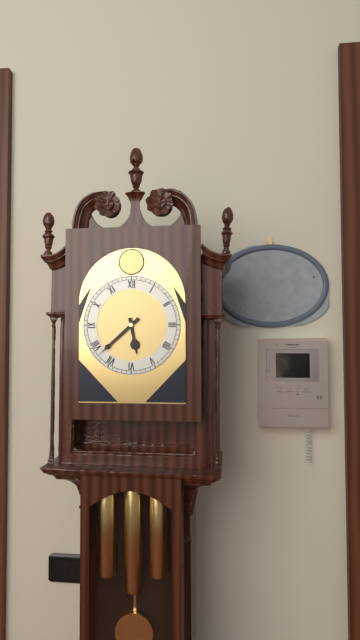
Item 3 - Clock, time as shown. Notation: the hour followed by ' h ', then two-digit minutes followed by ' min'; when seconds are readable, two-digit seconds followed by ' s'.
5 h 38 min
